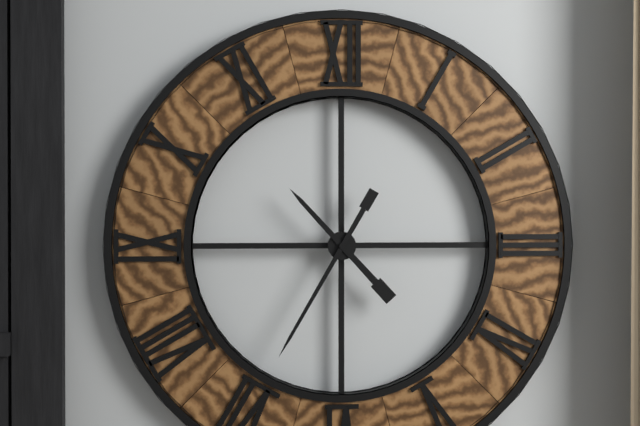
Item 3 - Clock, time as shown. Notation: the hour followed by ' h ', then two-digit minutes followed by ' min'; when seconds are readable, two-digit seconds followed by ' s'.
10 h 35 min
